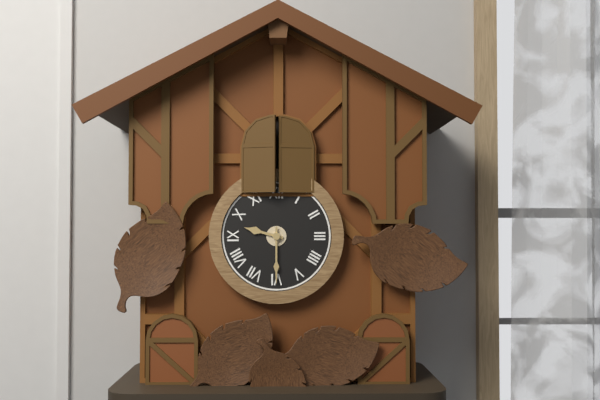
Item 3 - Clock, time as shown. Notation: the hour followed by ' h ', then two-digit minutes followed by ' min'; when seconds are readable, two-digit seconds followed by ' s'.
9 h 30 min
